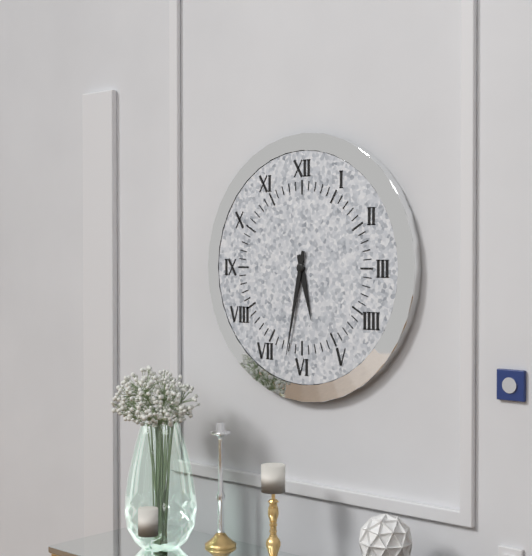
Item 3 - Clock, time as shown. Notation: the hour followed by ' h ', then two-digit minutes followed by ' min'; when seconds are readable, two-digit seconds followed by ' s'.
5 h 32 min
